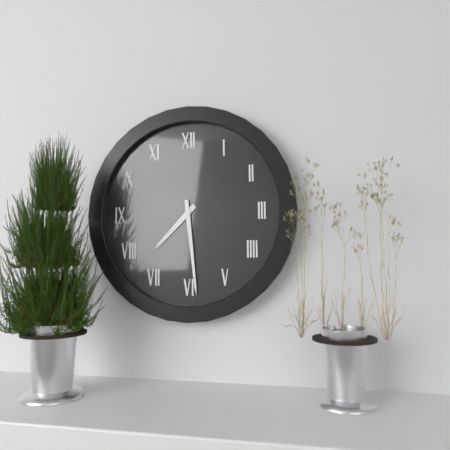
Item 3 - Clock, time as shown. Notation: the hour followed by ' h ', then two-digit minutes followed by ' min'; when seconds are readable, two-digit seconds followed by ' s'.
7 h 29 min
